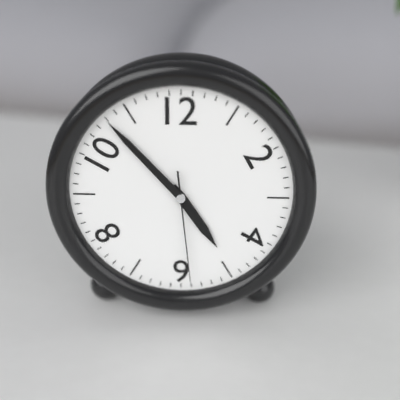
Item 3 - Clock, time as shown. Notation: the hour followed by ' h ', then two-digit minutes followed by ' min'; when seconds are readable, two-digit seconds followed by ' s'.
4 h 53 min 29 s
